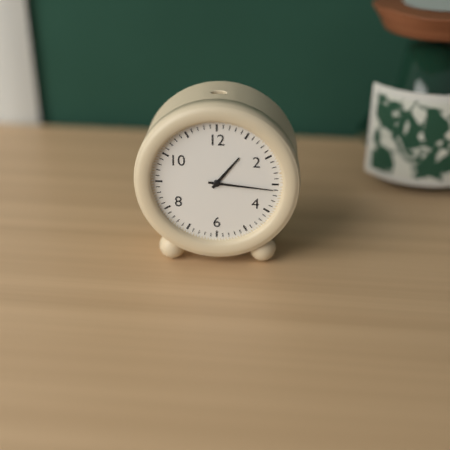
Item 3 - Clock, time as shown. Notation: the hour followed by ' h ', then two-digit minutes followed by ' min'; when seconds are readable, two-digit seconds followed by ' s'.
1 h 16 min
